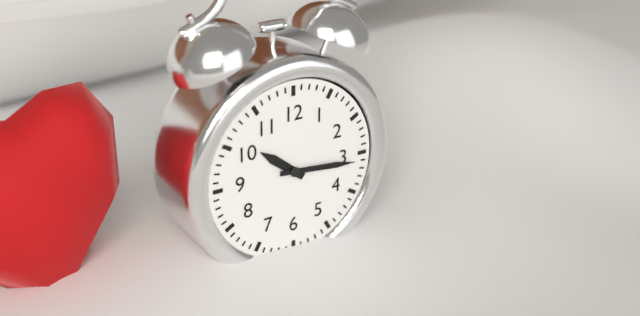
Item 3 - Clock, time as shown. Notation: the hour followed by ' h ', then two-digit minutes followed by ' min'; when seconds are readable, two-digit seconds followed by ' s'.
10 h 16 min
